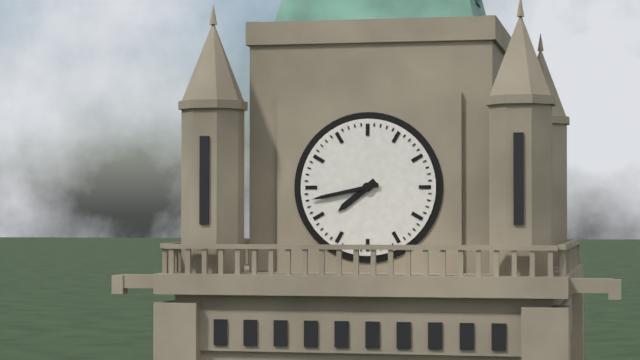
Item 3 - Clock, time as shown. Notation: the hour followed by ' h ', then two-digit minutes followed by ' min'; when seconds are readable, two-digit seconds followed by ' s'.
7 h 43 min
